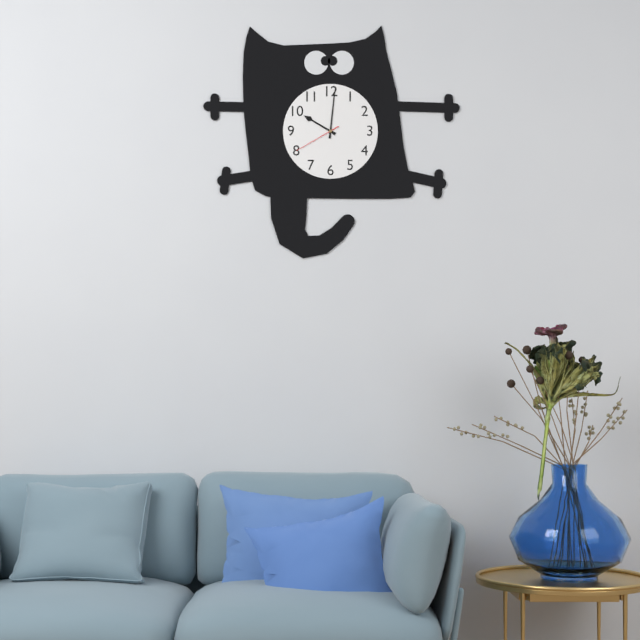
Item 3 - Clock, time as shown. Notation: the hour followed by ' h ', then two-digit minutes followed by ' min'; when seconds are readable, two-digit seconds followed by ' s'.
10 h 01 min
